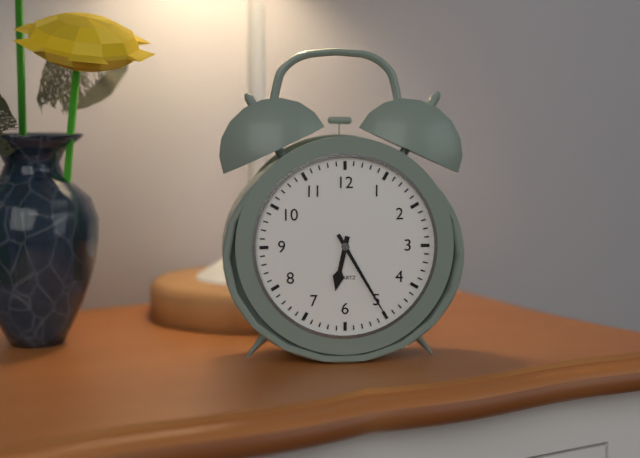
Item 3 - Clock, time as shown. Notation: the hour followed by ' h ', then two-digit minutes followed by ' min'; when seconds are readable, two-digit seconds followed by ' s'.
6 h 25 min
